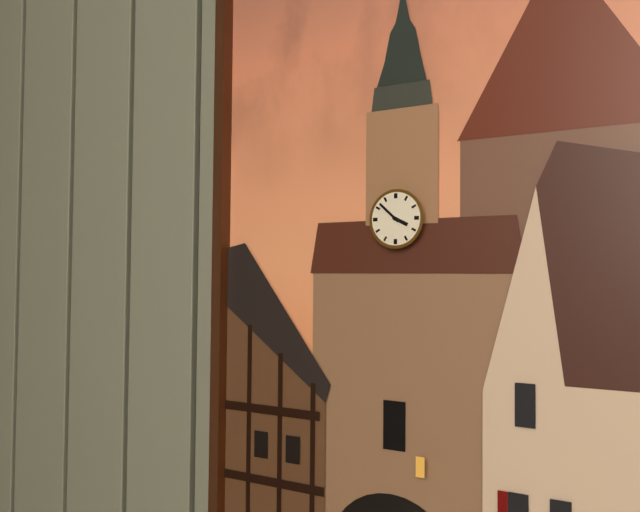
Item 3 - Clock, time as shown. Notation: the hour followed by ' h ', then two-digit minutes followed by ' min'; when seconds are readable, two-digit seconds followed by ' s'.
3 h 52 min
